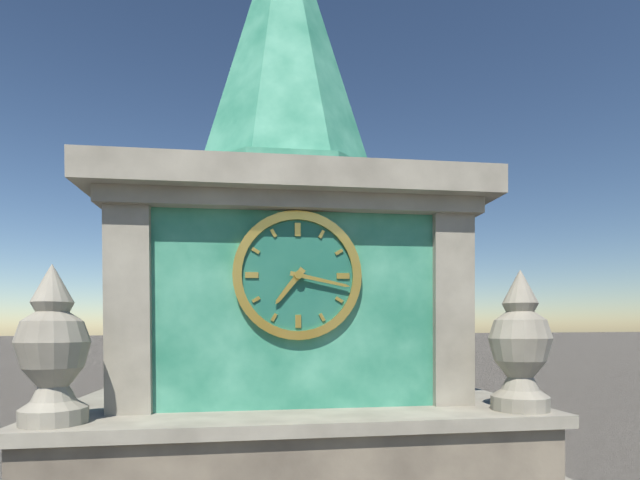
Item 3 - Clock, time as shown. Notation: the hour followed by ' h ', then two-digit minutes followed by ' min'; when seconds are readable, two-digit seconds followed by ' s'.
7 h 17 min
